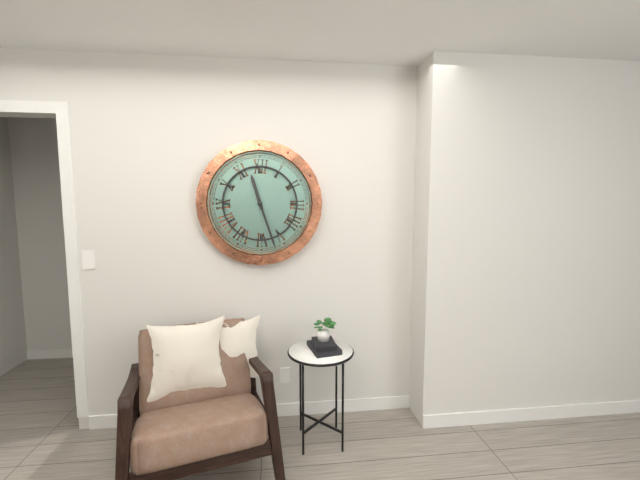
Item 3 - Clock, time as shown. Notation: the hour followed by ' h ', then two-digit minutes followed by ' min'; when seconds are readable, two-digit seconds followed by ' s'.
11 h 27 min
